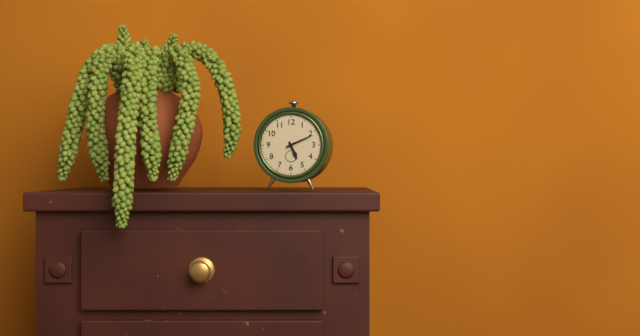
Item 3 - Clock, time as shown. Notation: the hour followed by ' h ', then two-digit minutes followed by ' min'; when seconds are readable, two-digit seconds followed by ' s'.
5 h 11 min
